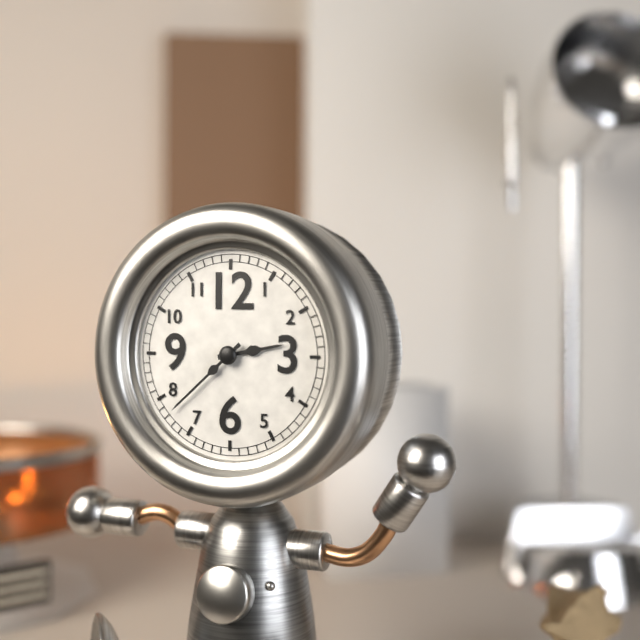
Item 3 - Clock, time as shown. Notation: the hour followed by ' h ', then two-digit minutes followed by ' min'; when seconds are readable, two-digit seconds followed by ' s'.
2 h 38 min
